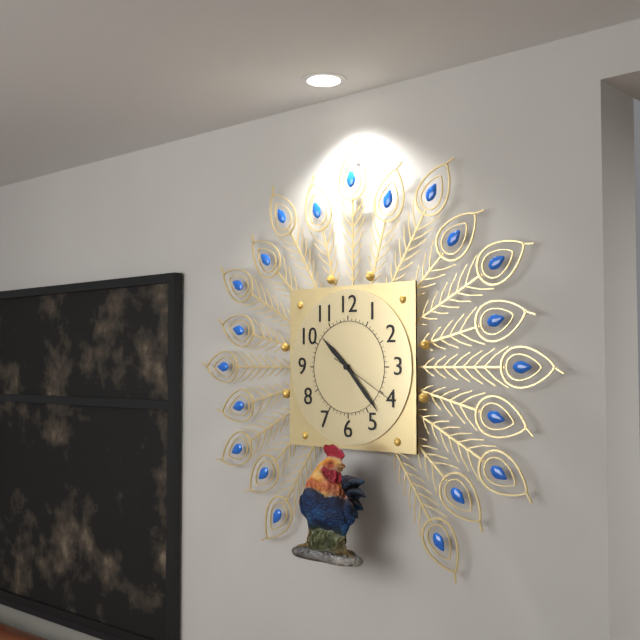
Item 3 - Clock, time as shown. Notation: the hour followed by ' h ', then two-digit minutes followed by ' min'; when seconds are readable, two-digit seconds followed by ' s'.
10 h 23 min 20 s
